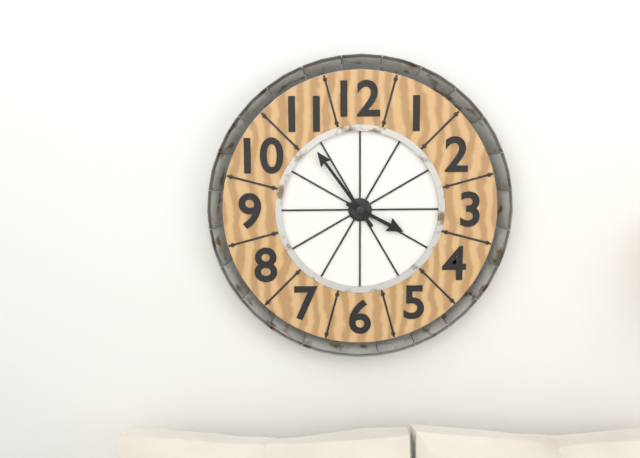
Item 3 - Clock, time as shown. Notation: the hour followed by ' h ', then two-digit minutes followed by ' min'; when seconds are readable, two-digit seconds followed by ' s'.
3 h 54 min
